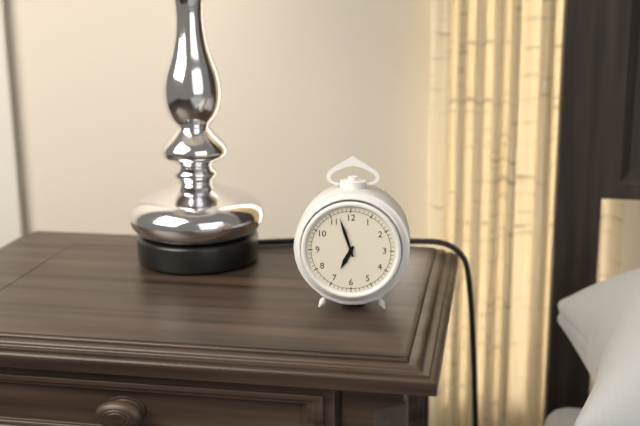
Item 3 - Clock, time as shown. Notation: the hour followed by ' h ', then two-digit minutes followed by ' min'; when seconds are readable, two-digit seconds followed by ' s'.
6 h 57 min
